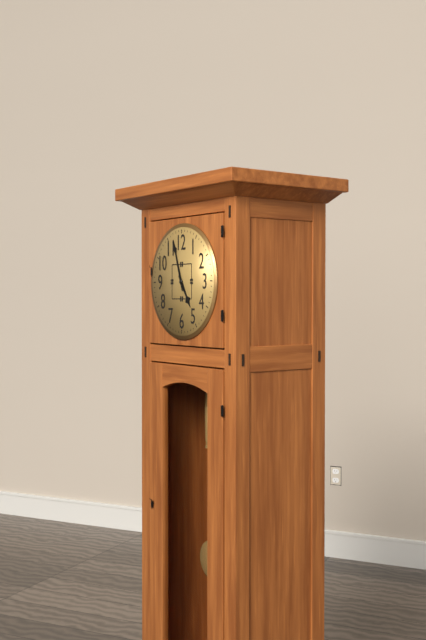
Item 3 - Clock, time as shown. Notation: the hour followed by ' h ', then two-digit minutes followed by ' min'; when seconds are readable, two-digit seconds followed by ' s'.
4 h 57 min
